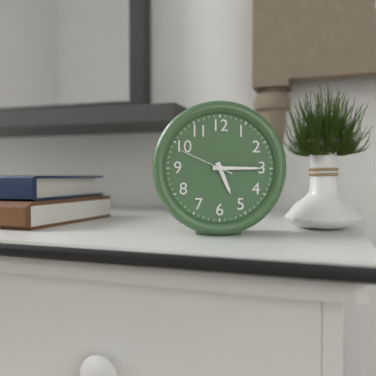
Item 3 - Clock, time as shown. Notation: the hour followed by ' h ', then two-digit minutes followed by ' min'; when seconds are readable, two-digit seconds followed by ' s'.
5 h 15 min 49 s
